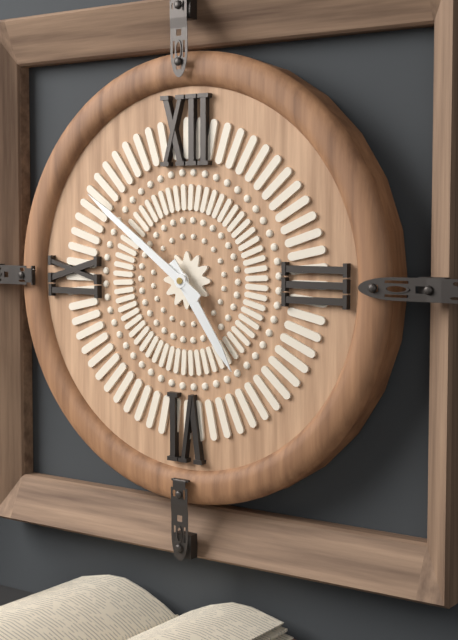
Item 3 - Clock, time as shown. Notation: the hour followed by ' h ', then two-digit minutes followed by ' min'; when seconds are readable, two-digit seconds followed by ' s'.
4 h 51 min
